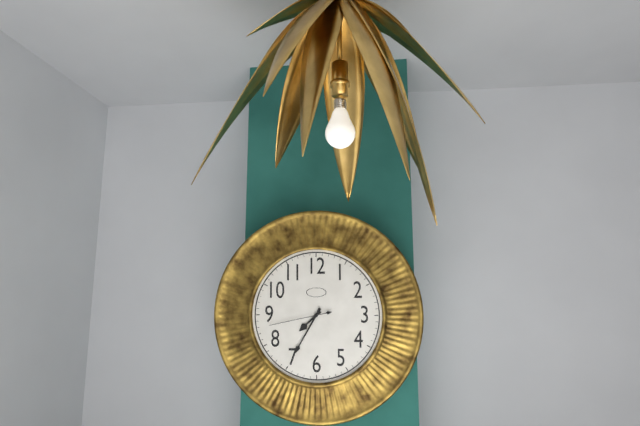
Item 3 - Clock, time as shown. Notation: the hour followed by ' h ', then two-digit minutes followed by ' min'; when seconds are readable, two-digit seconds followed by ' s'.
7 h 35 min 43 s
